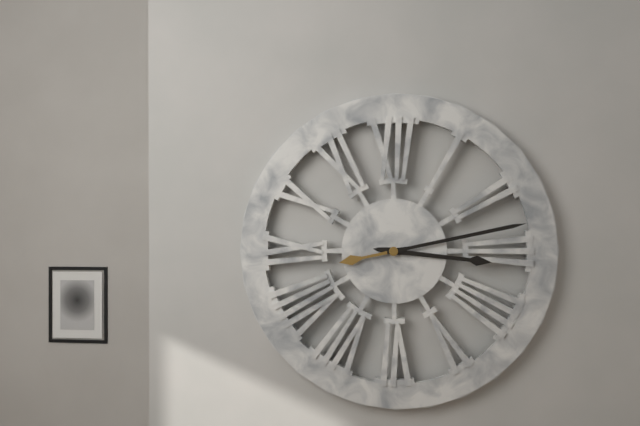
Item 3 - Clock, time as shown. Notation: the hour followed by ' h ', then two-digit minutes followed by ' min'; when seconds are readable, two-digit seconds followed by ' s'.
3 h 13 min
